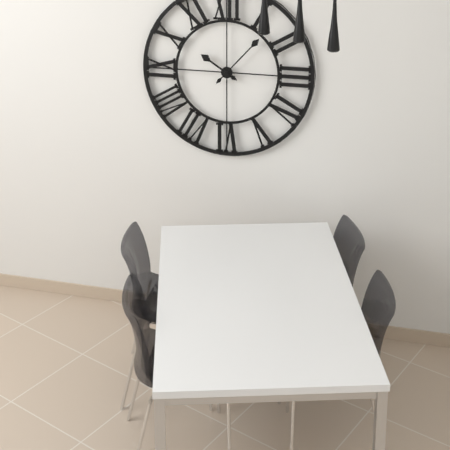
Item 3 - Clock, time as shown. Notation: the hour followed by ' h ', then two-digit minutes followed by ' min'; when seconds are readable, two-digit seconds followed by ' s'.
10 h 07 min
